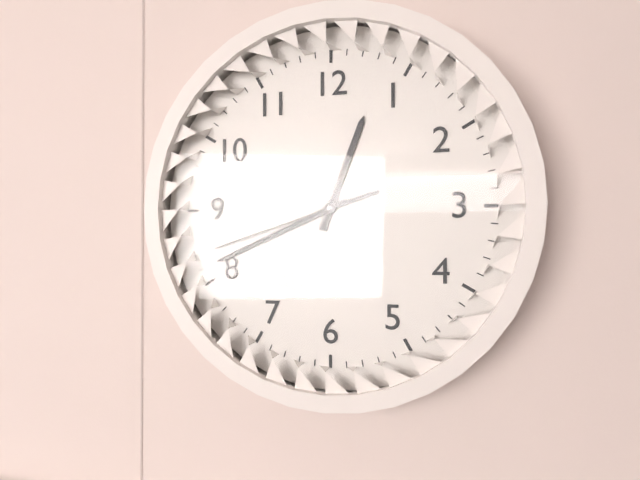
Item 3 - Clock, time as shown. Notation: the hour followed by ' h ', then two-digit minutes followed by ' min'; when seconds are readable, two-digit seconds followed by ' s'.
12 h 41 min 42 s
